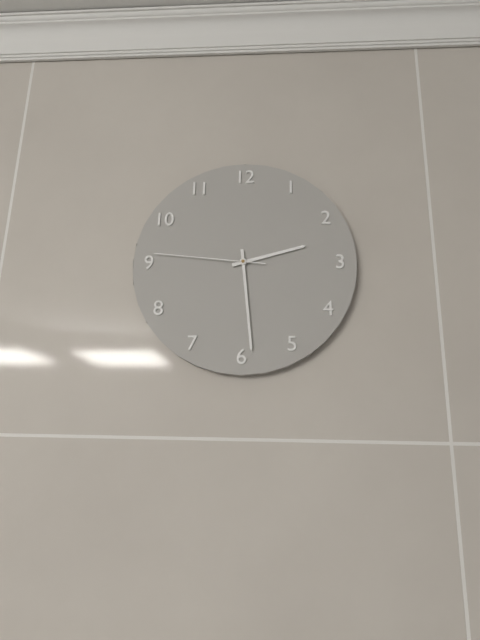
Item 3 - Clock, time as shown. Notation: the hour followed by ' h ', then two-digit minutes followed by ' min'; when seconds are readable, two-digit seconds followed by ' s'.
2 h 29 min 46 s
